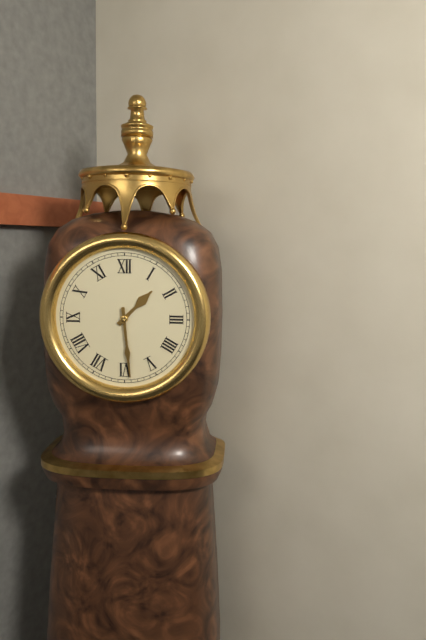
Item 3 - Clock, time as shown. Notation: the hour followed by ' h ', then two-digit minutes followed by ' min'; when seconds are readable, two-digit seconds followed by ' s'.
1 h 29 min
